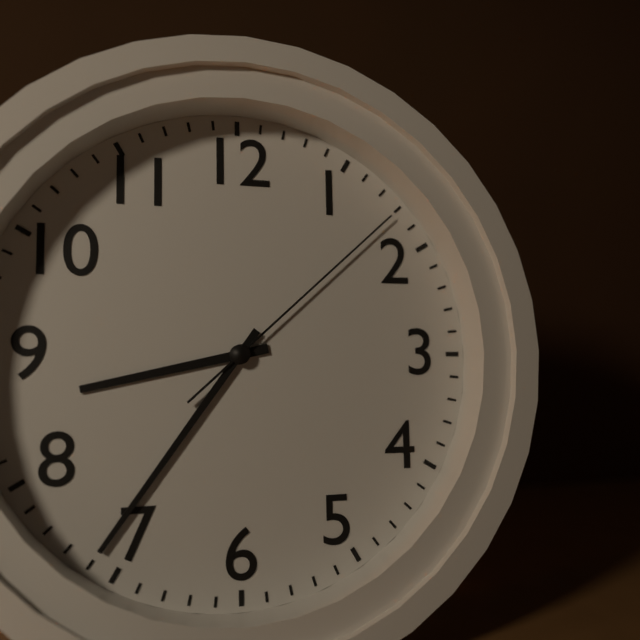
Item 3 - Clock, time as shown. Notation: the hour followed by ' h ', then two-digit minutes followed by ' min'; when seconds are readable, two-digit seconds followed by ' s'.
8 h 36 min 08 s
